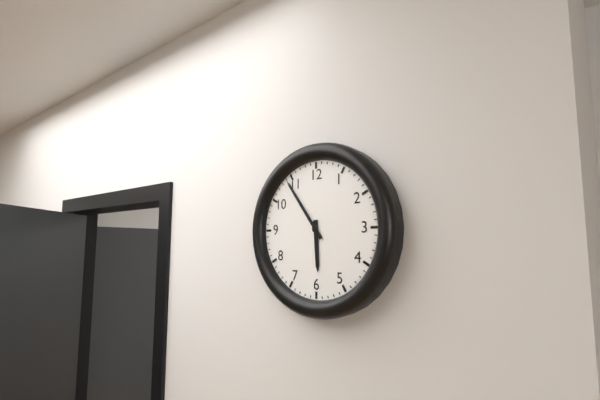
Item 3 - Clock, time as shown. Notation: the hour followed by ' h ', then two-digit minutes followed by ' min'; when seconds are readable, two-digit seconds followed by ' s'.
5 h 54 min
